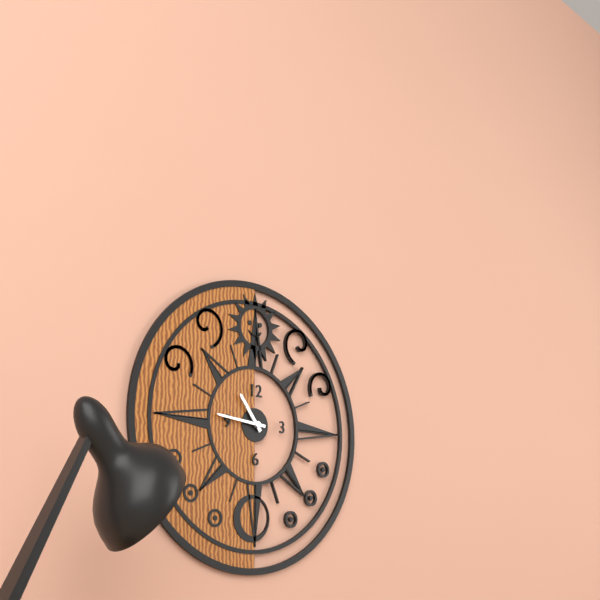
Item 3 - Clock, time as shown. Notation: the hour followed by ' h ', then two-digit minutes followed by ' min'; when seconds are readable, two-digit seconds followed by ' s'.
10 h 46 min
